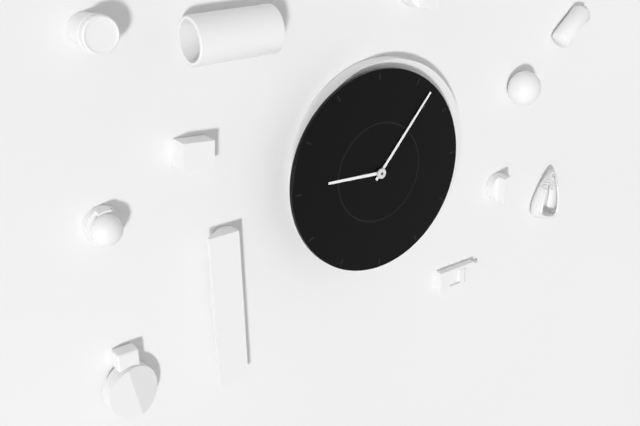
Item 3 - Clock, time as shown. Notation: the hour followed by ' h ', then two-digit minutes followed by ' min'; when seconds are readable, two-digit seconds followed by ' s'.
9 h 07 min
